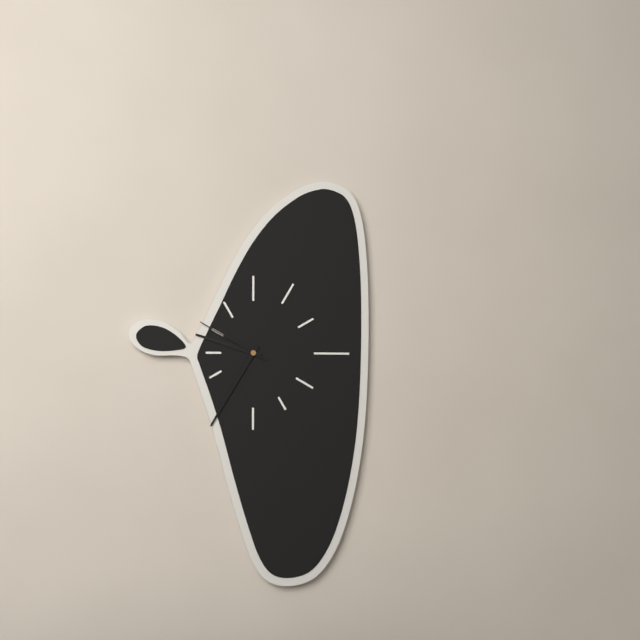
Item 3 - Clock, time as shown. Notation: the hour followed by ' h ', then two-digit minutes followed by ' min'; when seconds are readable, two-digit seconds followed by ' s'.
9 h 35 min 50 s
